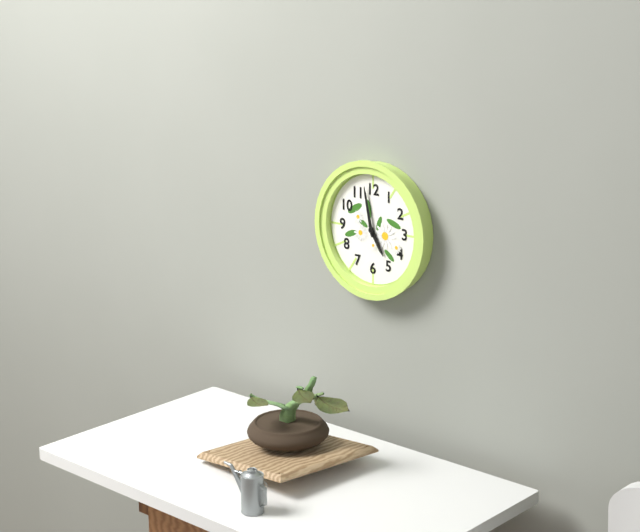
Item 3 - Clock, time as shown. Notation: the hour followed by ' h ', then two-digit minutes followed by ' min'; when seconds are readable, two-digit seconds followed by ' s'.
4 h 58 min
